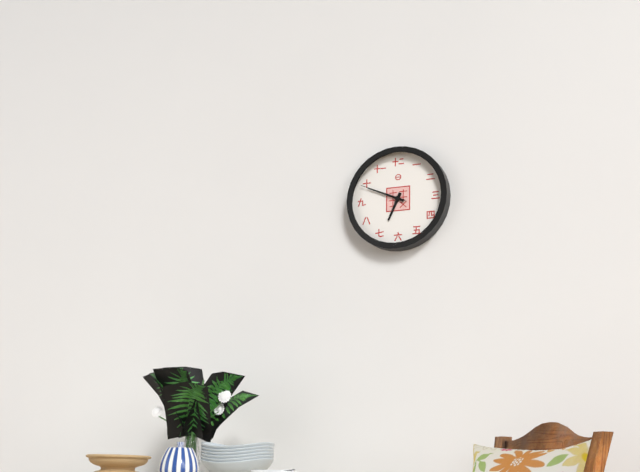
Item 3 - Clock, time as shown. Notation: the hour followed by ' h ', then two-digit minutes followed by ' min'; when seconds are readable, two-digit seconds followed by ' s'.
6 h 49 min 49 s
